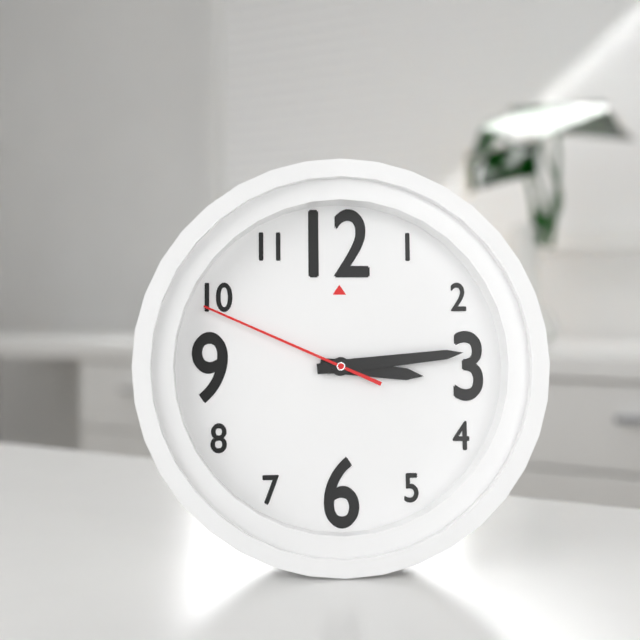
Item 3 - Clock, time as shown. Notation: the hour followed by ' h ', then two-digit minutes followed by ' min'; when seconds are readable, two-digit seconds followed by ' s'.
3 h 14 min 49 s
